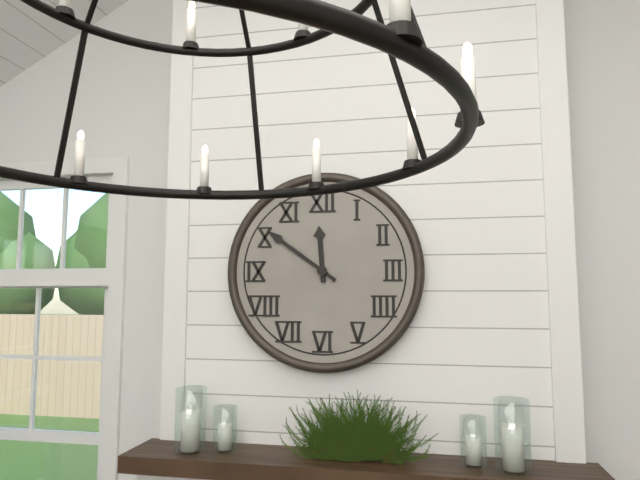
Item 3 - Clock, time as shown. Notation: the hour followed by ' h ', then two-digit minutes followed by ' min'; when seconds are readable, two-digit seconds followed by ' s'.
11 h 51 min
